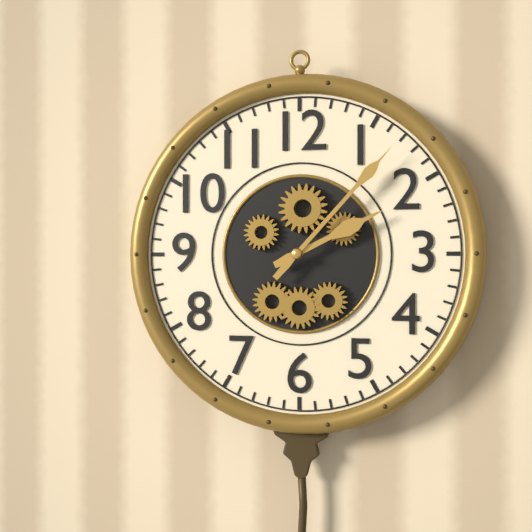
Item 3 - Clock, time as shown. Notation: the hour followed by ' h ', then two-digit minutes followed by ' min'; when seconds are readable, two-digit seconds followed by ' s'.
2 h 07 min
